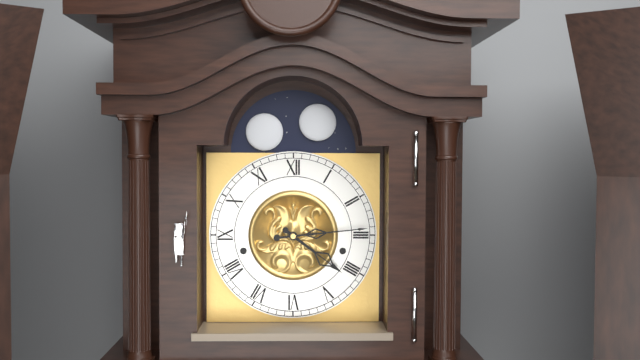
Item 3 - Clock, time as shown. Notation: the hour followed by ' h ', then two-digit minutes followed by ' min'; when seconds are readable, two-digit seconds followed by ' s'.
4 h 14 min
